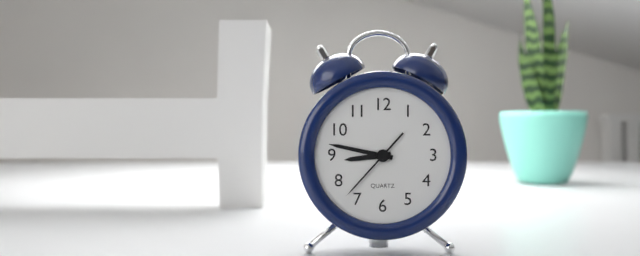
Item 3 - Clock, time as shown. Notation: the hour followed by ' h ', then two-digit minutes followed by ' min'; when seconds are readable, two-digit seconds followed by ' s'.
8 h 47 min 37 s
